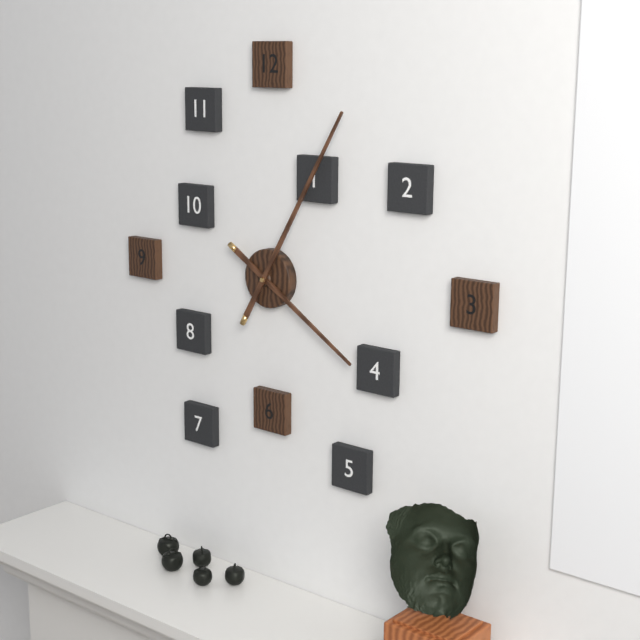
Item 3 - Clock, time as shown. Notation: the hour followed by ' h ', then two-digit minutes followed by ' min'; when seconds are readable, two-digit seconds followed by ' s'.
4 h 05 min
